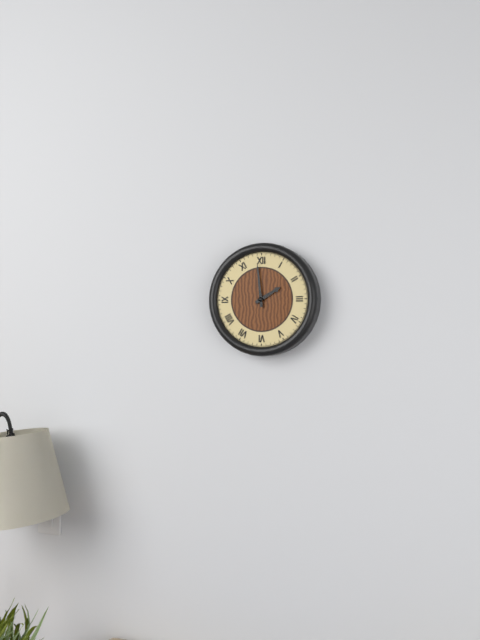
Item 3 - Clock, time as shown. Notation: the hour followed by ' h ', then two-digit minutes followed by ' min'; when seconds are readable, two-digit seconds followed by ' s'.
1 h 59 min
